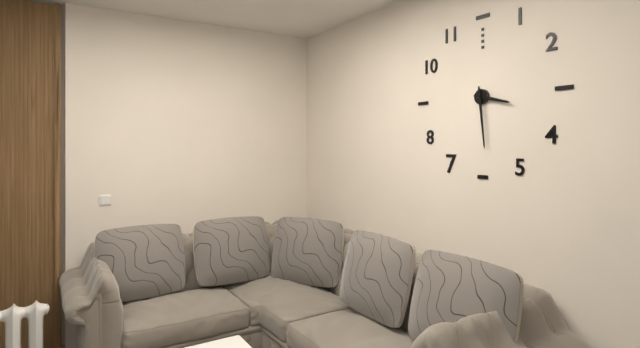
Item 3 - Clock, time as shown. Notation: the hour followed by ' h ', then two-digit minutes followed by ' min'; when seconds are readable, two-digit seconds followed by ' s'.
3 h 29 min
